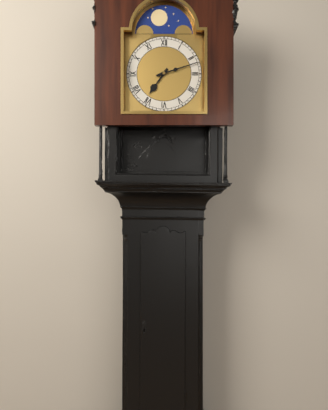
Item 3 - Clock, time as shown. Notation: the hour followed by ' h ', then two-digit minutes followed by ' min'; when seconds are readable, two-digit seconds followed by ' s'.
7 h 12 min
